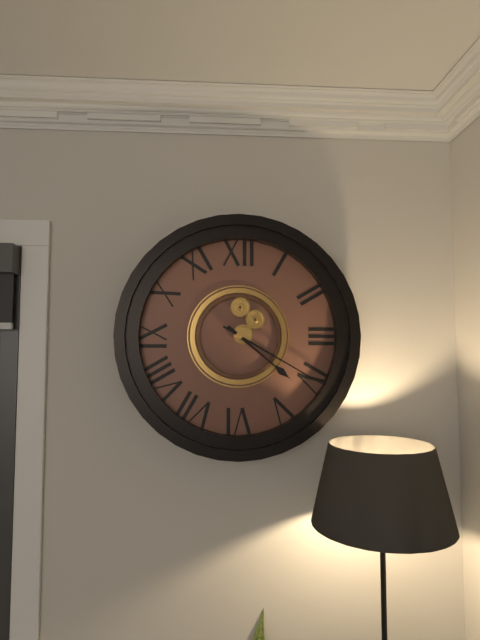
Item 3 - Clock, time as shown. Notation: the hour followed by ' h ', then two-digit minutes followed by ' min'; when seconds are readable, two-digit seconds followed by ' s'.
4 h 20 min
